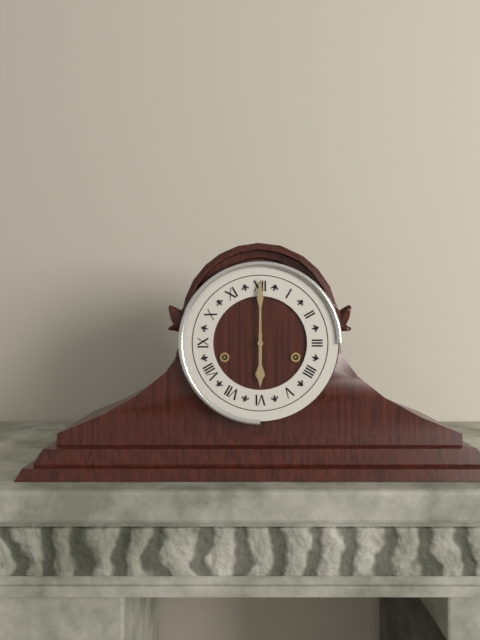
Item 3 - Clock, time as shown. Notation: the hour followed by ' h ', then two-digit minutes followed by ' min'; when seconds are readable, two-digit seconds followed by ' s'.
6 h 00 min
